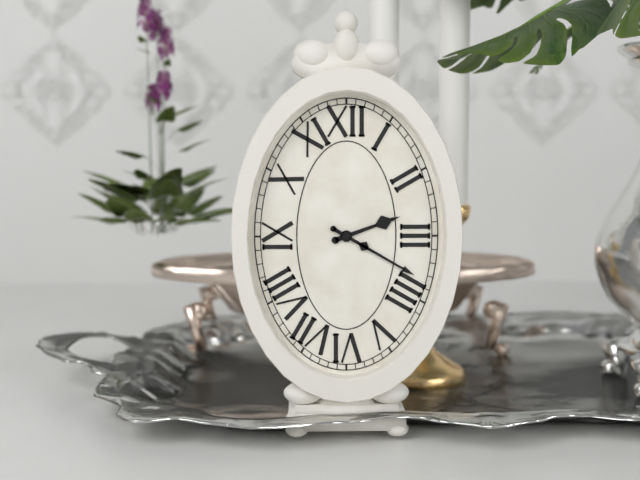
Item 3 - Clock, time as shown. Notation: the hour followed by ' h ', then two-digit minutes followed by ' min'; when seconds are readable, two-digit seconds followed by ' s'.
2 h 20 min
